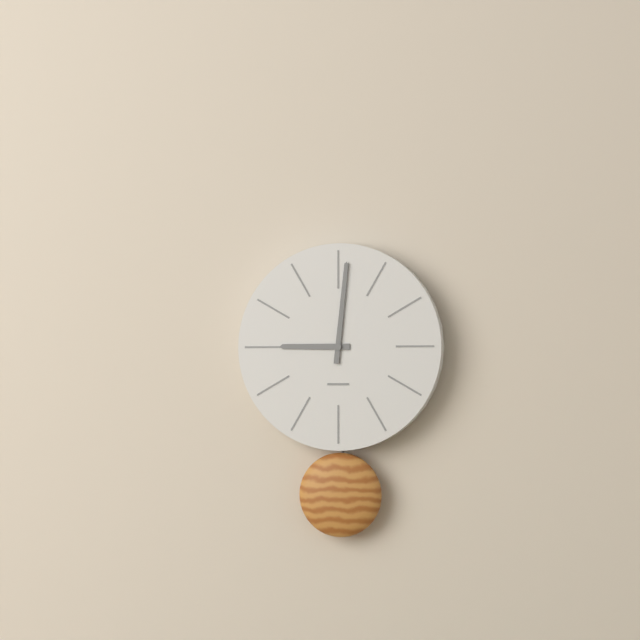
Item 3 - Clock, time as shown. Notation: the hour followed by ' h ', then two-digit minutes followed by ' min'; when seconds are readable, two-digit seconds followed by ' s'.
9 h 01 min
